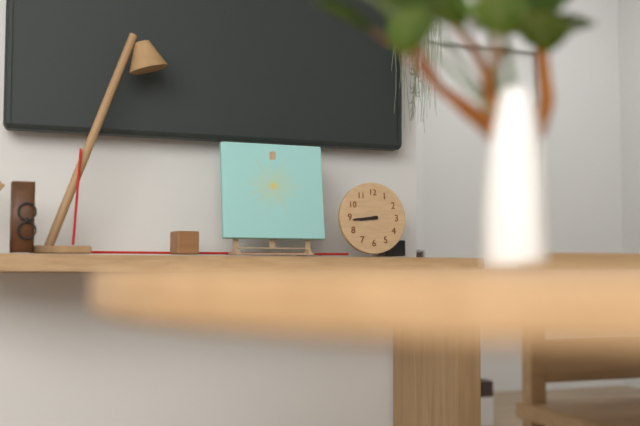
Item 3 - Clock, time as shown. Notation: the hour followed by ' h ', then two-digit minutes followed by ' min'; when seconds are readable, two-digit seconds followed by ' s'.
8 h 44 min
